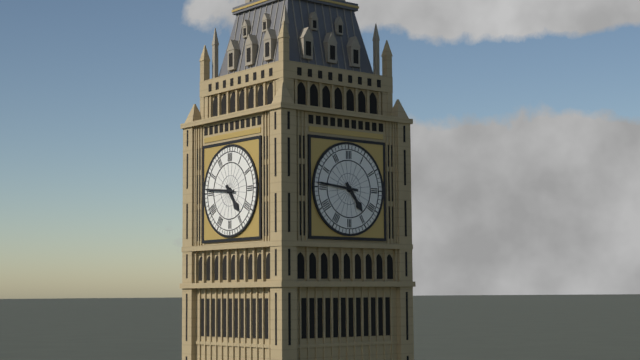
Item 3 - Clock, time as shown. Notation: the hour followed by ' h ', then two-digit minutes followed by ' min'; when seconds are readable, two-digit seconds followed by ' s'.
4 h 46 min
